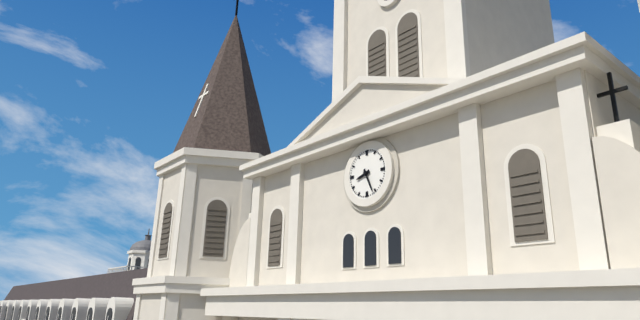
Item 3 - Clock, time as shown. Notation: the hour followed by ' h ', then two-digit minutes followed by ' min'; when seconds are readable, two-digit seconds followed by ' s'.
8 h 26 min
